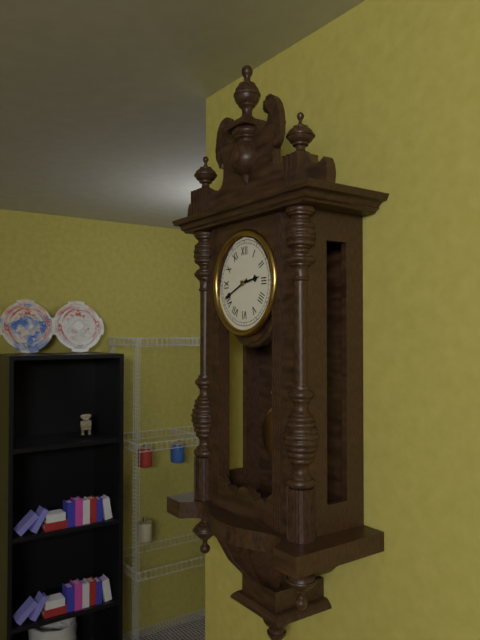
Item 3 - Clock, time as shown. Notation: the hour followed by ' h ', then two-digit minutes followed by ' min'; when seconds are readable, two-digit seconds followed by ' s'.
2 h 41 min
